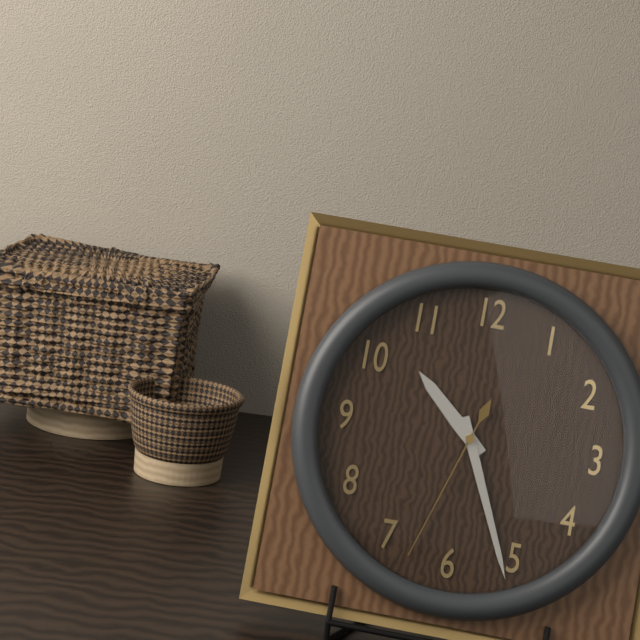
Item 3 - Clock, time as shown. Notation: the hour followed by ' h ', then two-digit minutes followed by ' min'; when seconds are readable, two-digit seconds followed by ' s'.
10 h 26 min 33 s
